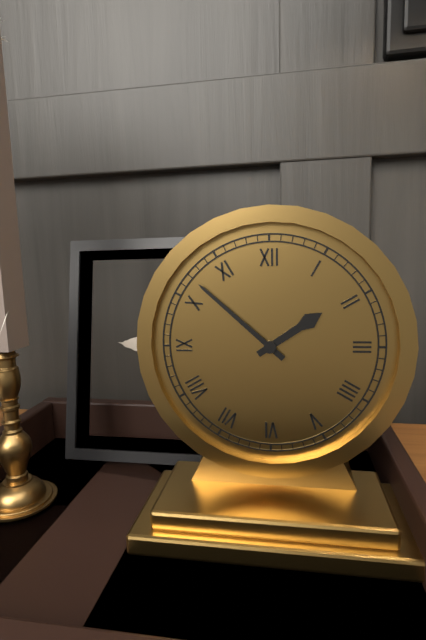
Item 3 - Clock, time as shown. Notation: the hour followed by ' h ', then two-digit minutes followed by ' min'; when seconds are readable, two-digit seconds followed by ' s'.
1 h 52 min
